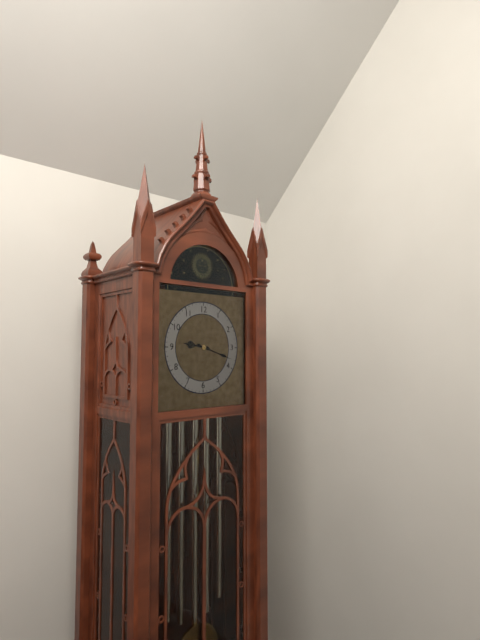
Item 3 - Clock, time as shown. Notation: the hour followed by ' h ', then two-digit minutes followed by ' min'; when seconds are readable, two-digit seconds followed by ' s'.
9 h 18 min
